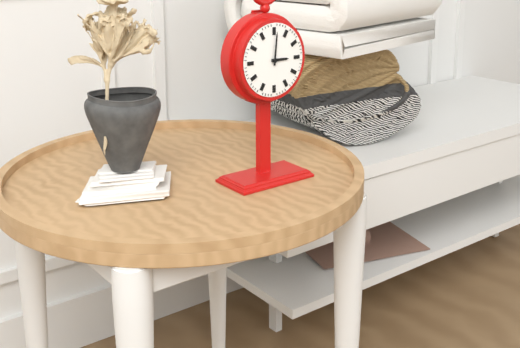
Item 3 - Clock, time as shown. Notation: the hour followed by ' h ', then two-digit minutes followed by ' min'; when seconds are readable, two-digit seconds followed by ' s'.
3 h 01 min
